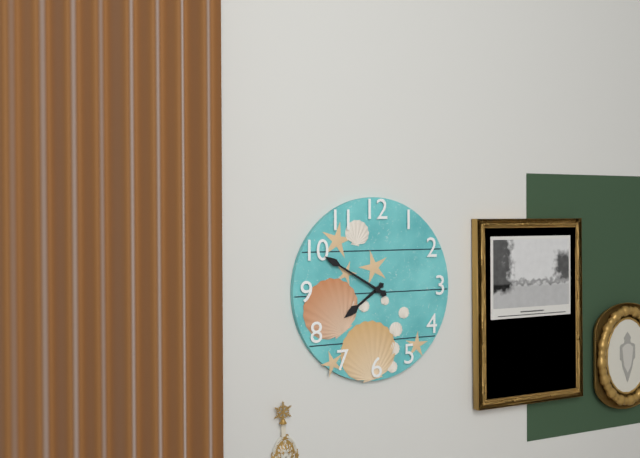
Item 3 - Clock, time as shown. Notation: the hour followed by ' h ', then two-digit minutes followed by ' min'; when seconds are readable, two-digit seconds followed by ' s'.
7 h 50 min
